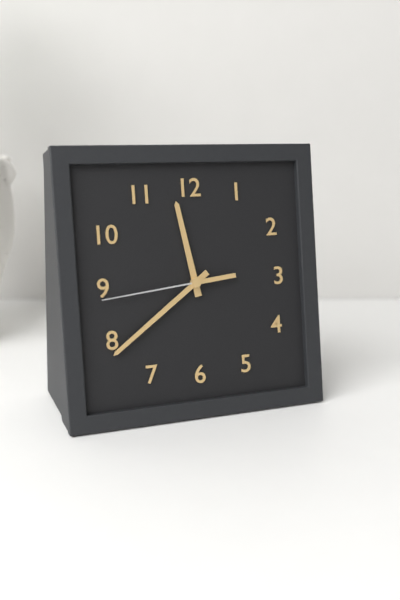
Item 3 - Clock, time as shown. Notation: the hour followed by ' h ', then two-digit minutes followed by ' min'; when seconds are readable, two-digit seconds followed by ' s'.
11 h 39 min 44 s
